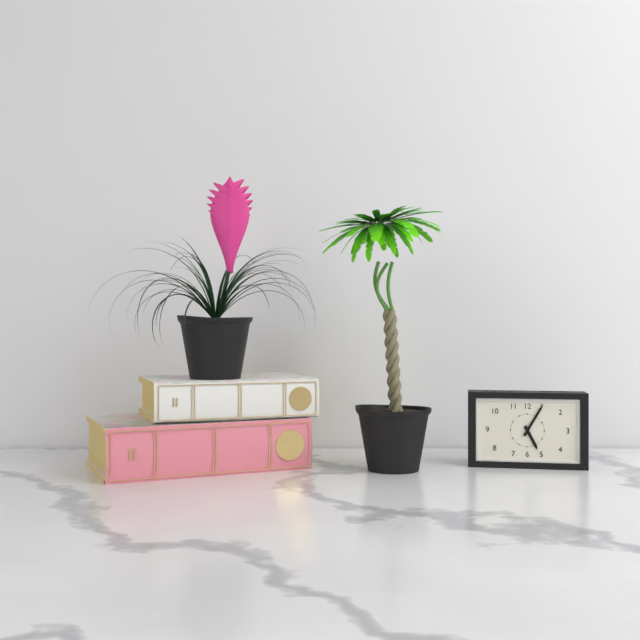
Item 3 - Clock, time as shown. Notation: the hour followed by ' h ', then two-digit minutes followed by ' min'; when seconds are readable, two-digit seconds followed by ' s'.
5 h 05 min
